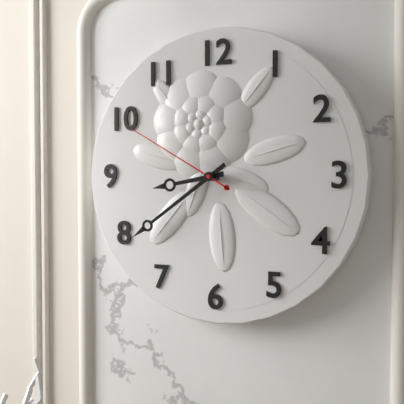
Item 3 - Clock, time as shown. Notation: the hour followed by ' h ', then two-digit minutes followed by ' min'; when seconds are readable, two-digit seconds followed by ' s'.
8 h 39 min 50 s
